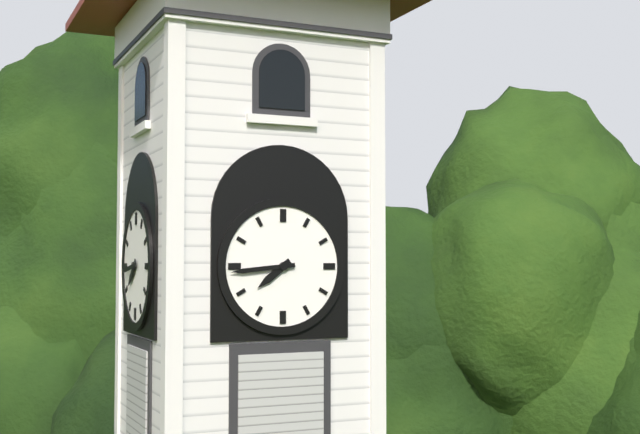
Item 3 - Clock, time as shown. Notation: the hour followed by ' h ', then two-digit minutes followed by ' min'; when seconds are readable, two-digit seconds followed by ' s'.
7 h 44 min
